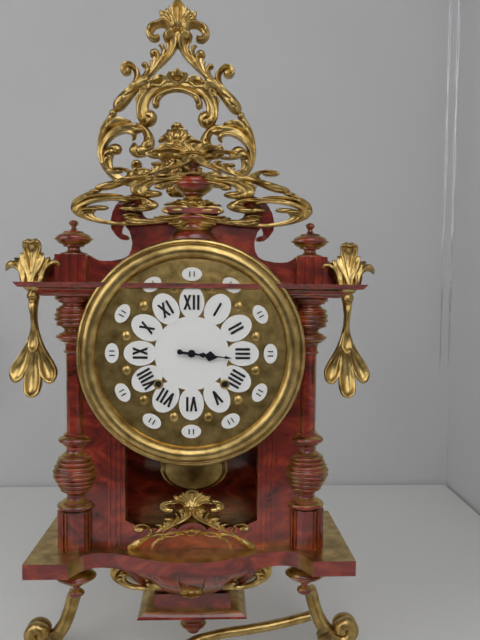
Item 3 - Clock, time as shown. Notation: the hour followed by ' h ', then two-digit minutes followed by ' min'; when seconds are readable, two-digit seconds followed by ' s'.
3 h 16 min
